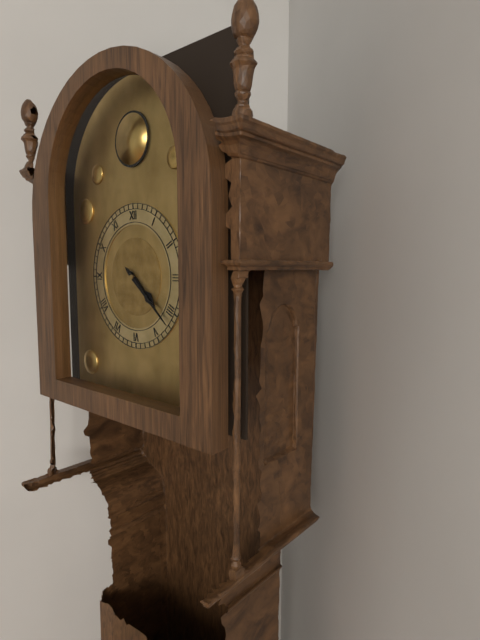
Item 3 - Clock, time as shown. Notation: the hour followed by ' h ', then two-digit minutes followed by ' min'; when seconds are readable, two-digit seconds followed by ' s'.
4 h 22 min
